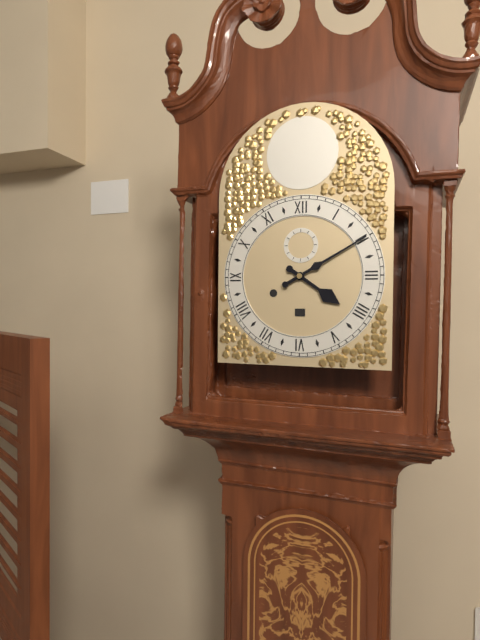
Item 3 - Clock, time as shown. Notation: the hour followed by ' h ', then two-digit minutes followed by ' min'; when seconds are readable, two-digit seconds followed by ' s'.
4 h 10 min
